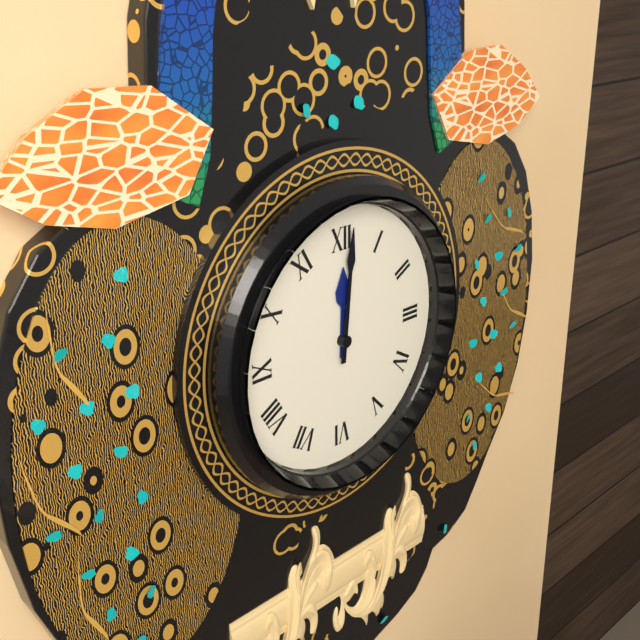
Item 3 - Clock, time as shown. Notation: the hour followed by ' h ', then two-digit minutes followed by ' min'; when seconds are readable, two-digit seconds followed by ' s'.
12 h 01 min
